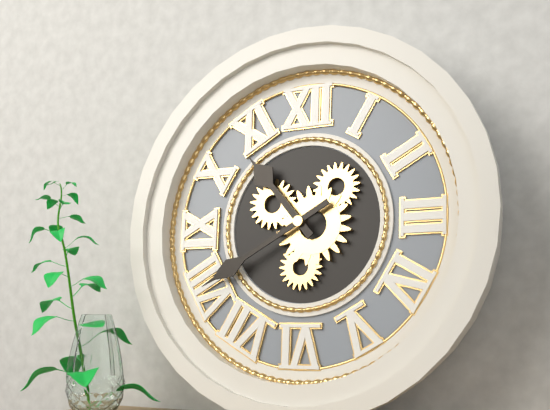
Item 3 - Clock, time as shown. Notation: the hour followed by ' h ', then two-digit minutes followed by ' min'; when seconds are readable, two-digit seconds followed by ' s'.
10 h 40 min
